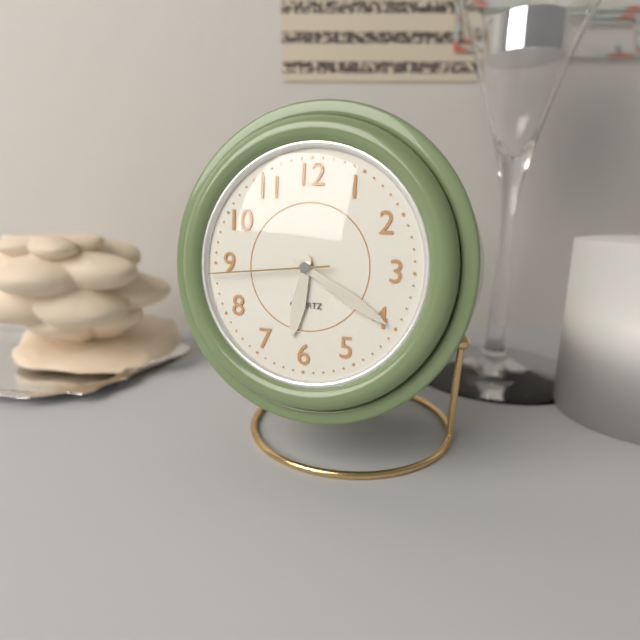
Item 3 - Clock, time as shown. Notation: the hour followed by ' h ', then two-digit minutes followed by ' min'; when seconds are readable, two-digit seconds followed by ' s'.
6 h 20 min 44 s
